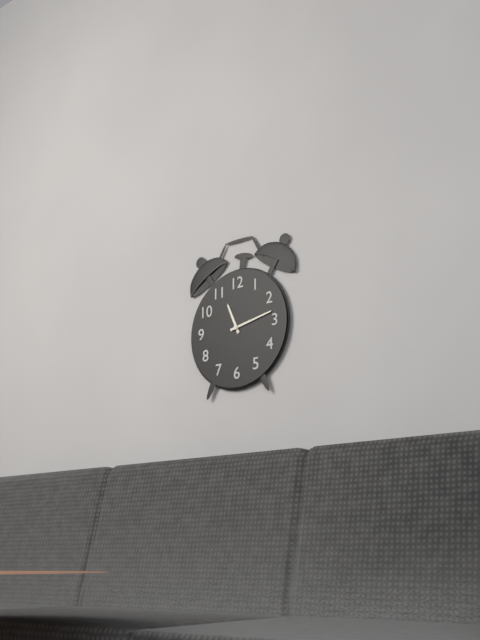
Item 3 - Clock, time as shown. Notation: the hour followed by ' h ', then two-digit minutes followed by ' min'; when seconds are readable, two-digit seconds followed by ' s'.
11 h 13 min
